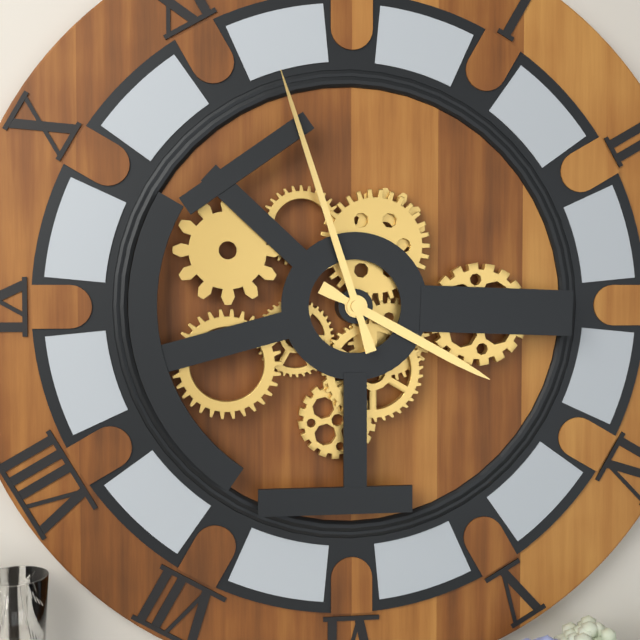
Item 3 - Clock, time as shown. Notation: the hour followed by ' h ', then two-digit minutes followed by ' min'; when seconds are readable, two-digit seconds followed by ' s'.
3 h 57 min
